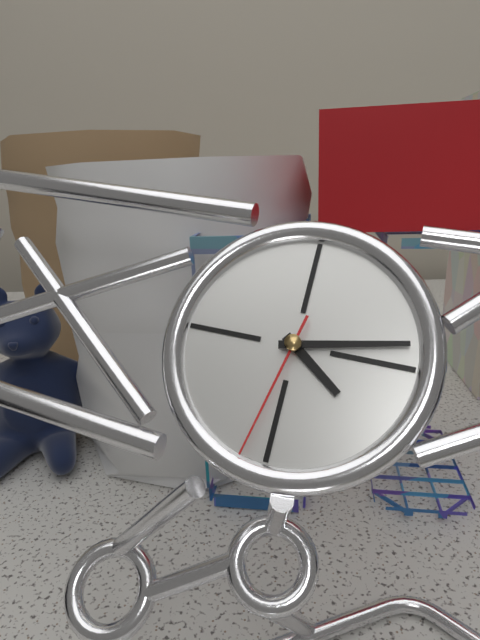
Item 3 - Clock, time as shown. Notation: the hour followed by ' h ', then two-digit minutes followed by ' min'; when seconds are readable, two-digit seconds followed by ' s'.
4 h 13 min 32 s
